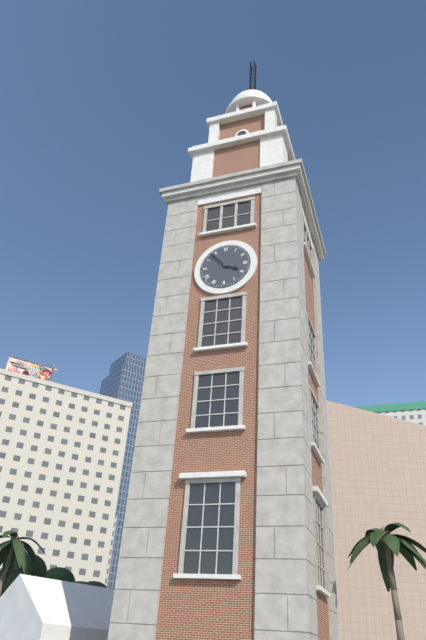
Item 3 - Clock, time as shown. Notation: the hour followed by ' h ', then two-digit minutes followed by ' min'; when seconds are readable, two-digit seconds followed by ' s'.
3 h 53 min
